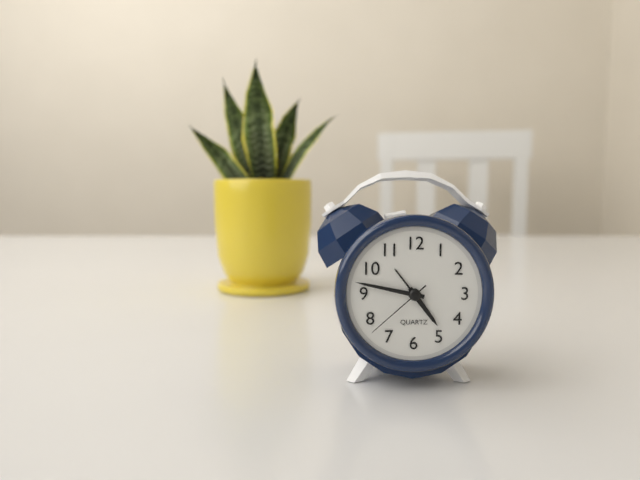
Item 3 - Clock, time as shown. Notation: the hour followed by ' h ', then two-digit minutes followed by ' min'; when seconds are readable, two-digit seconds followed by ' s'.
4 h 47 min 38 s
